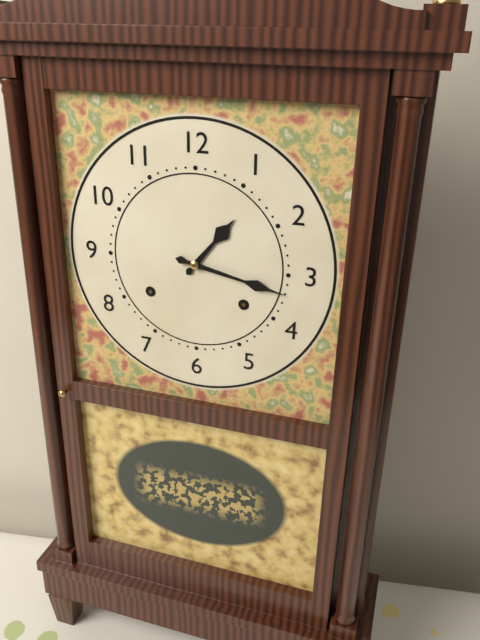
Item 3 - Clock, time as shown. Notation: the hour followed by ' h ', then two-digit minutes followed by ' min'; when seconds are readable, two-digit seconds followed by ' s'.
1 h 17 min
